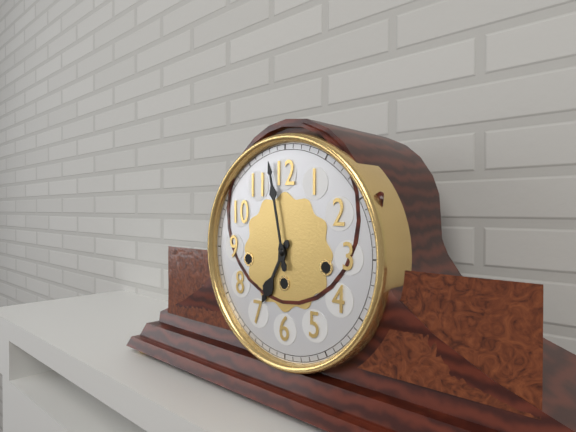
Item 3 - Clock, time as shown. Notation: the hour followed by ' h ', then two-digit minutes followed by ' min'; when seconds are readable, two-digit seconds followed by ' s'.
6 h 58 min
